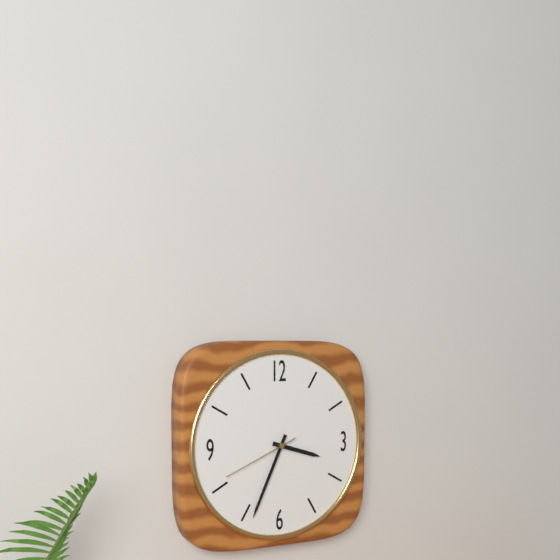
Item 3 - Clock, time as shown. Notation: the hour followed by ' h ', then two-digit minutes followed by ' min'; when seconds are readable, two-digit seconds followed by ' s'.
3 h 34 min 41 s
